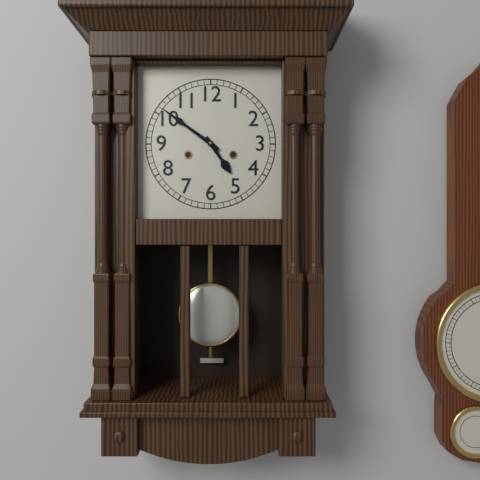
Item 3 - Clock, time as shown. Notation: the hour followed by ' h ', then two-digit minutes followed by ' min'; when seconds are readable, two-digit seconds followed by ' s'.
4 h 51 min
